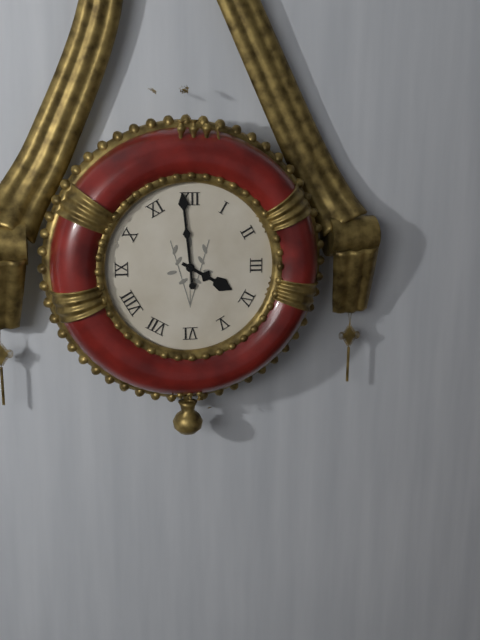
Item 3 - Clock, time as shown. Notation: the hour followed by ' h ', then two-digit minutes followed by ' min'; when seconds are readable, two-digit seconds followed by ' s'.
3 h 59 min
